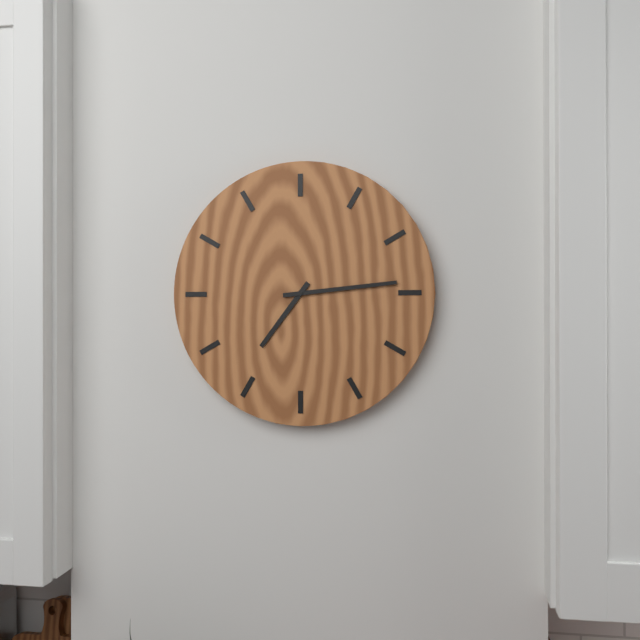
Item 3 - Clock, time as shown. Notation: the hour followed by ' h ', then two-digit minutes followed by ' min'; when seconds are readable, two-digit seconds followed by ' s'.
7 h 14 min
